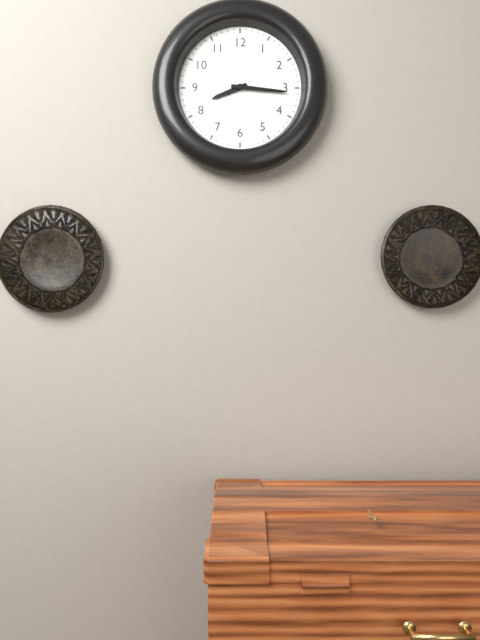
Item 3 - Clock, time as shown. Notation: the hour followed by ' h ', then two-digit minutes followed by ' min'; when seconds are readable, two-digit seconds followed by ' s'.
8 h 16 min
